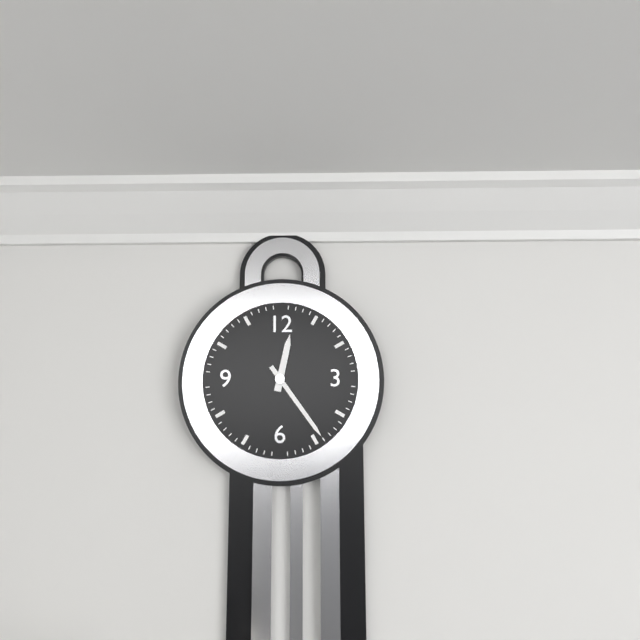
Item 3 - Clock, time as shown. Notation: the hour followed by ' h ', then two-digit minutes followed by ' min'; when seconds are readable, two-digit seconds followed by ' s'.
12 h 24 min
